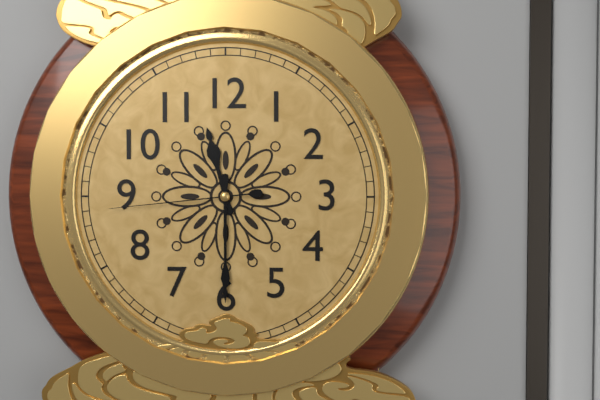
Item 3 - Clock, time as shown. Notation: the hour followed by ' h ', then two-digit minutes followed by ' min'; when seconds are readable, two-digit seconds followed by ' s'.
11 h 30 min 44 s
